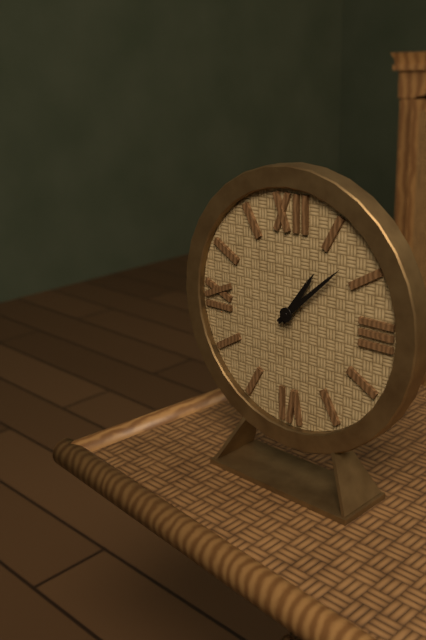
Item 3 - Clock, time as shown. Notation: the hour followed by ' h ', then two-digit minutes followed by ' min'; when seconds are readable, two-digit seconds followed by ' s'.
1 h 08 min
